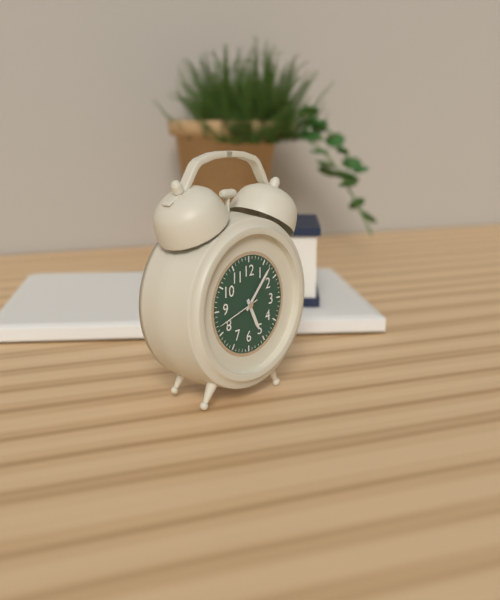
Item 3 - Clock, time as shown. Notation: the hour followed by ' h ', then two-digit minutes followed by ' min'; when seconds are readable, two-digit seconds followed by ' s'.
5 h 07 min
